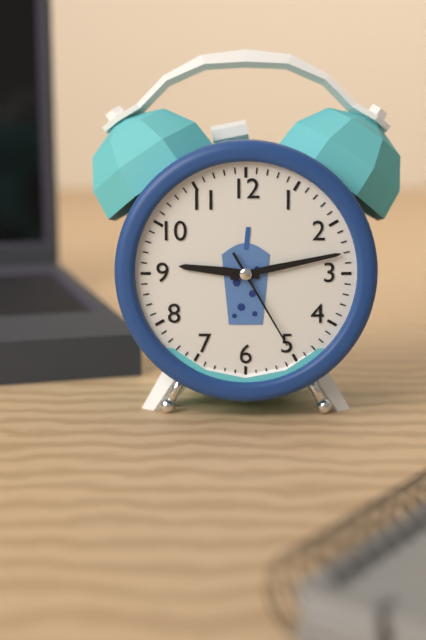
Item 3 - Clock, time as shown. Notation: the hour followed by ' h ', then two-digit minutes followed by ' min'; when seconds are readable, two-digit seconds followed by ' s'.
9 h 13 min 25 s
